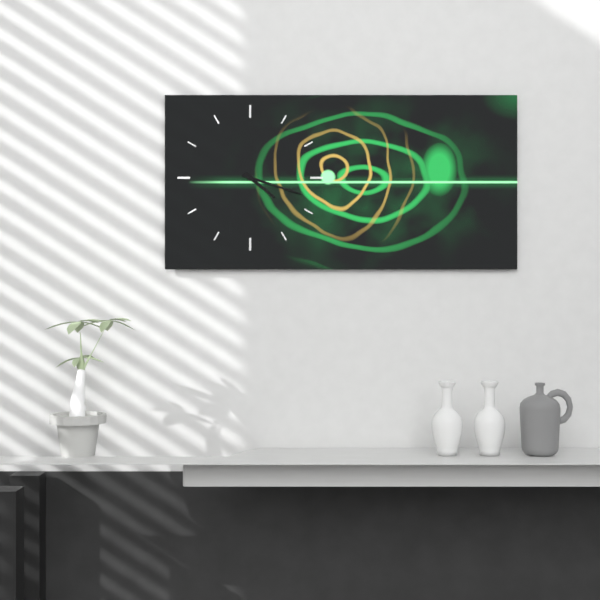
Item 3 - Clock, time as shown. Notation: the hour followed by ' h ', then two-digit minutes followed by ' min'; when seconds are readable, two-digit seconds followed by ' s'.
4 h 18 min
